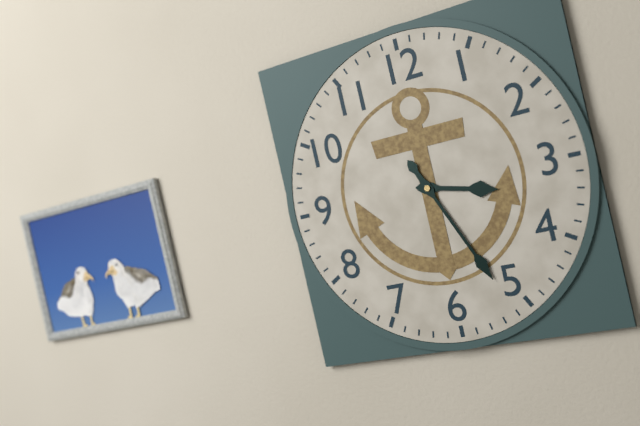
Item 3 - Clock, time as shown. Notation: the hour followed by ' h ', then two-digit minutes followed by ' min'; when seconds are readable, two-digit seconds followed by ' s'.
3 h 26 min
